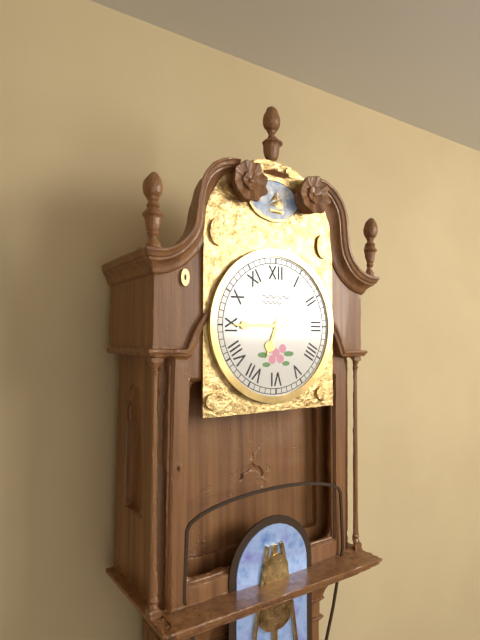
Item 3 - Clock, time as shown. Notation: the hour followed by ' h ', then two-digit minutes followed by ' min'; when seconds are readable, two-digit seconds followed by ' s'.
6 h 45 min
